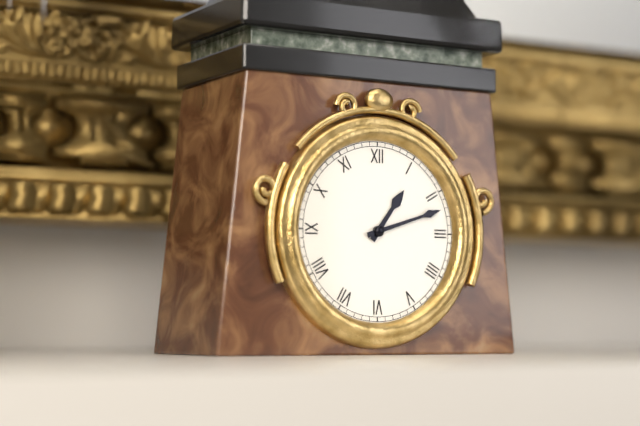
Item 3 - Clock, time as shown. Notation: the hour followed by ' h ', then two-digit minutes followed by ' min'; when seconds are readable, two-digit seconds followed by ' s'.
1 h 12 min
